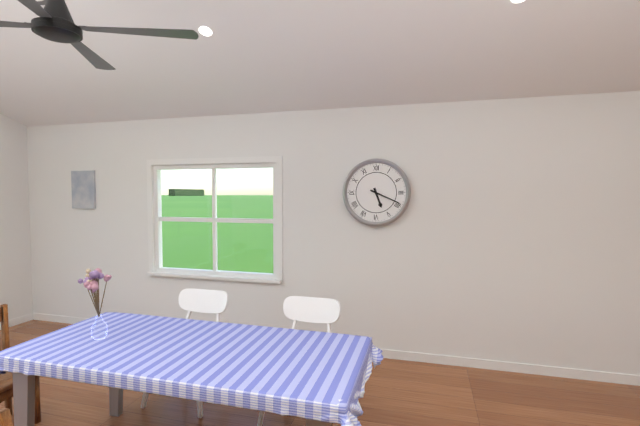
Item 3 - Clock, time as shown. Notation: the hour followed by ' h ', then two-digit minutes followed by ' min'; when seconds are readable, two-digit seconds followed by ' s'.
5 h 19 min
